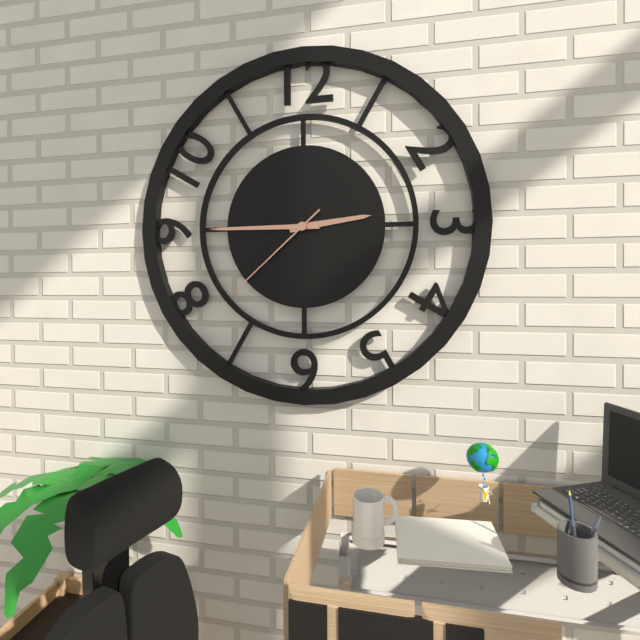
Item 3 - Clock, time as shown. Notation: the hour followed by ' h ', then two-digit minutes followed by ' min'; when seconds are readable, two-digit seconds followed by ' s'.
2 h 45 min 38 s
